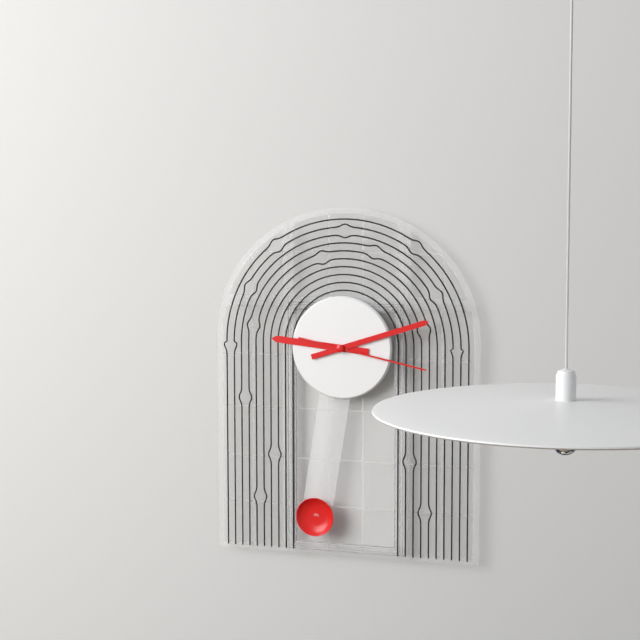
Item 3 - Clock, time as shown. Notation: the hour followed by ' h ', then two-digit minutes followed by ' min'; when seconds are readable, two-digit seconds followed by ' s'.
9 h 12 min 17 s
